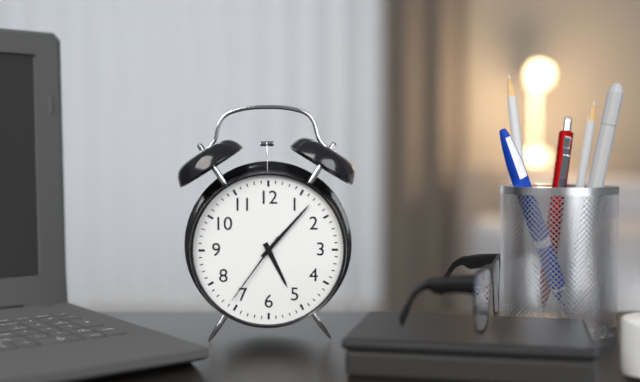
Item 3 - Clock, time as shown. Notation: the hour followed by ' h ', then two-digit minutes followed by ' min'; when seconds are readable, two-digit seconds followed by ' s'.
5 h 07 min 36 s
